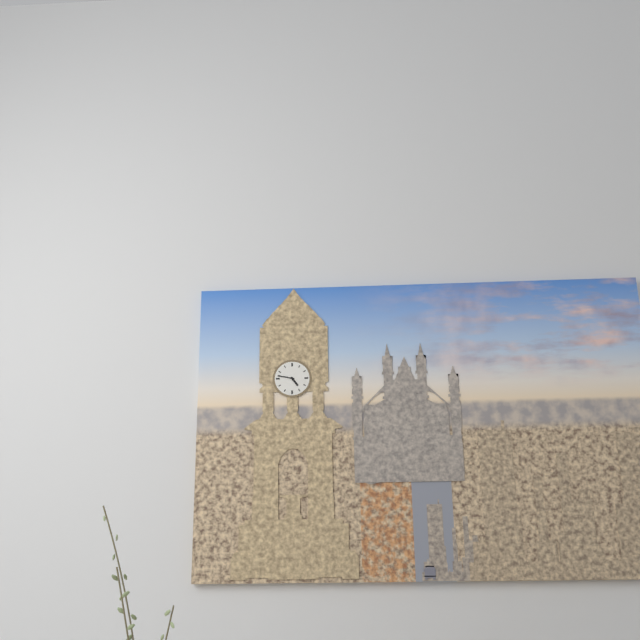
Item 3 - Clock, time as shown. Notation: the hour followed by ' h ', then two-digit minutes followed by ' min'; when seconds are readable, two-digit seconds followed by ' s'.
4 h 47 min
